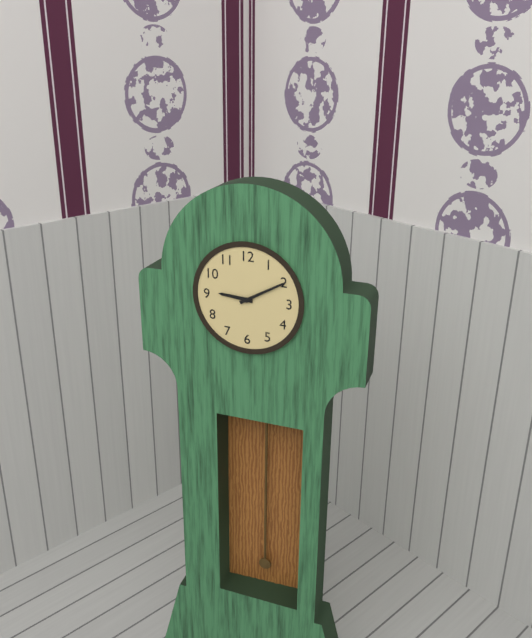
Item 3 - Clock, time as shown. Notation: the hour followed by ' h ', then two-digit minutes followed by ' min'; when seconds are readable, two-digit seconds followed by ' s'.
9 h 10 min
